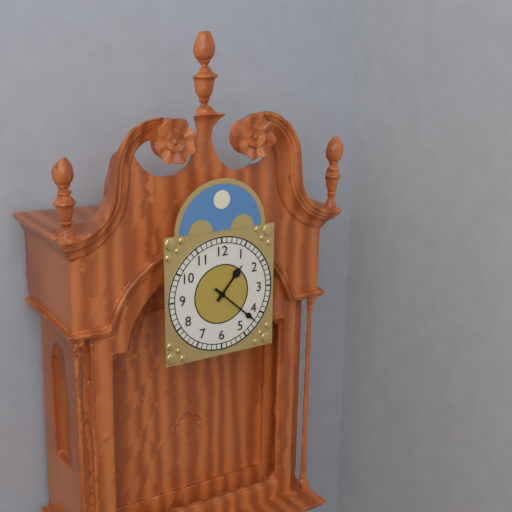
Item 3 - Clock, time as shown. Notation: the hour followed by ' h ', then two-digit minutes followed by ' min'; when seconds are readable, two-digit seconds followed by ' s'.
1 h 22 min
